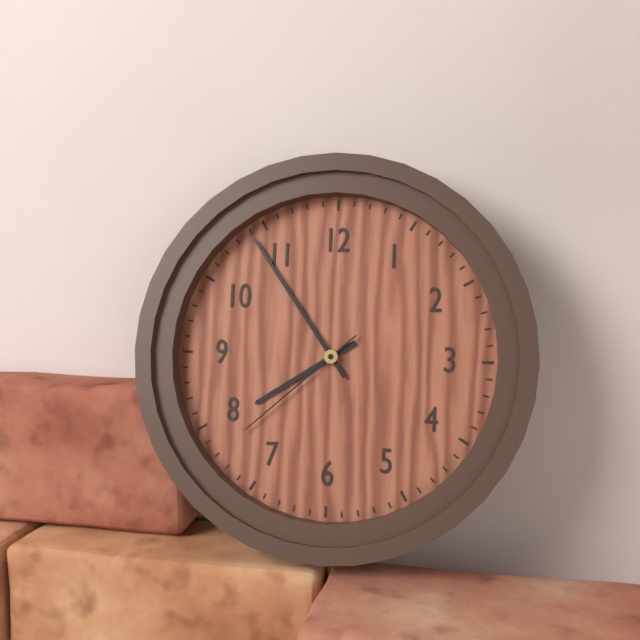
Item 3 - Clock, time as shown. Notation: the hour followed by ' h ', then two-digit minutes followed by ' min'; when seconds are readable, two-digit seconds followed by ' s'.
7 h 54 min 38 s
